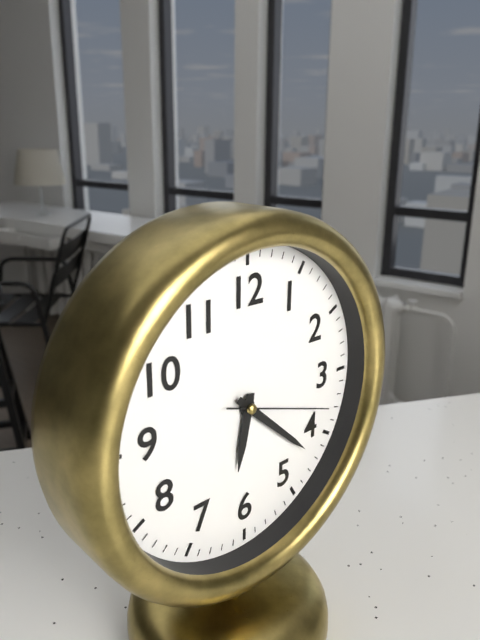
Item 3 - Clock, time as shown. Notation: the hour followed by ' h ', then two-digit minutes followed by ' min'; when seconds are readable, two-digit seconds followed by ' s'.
6 h 22 min 18 s
